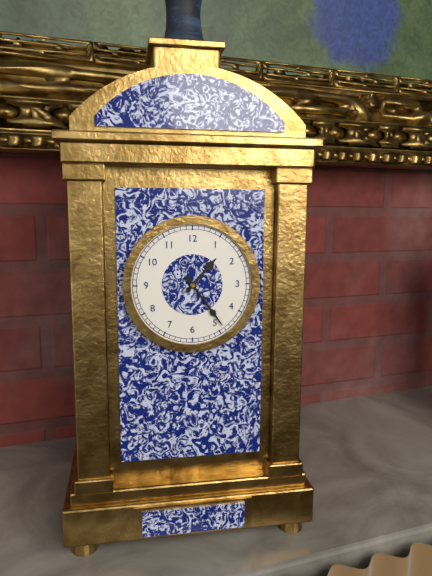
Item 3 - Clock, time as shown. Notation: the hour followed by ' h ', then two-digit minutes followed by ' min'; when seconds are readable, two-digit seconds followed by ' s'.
1 h 24 min
